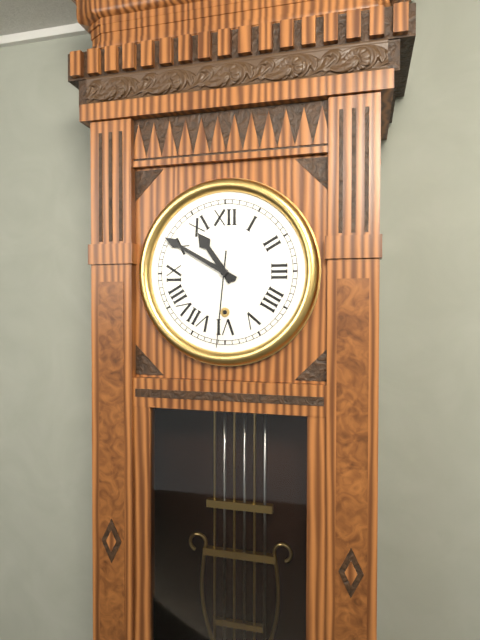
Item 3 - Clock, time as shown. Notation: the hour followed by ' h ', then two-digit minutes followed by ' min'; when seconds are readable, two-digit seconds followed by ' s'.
10 h 50 min 31 s
